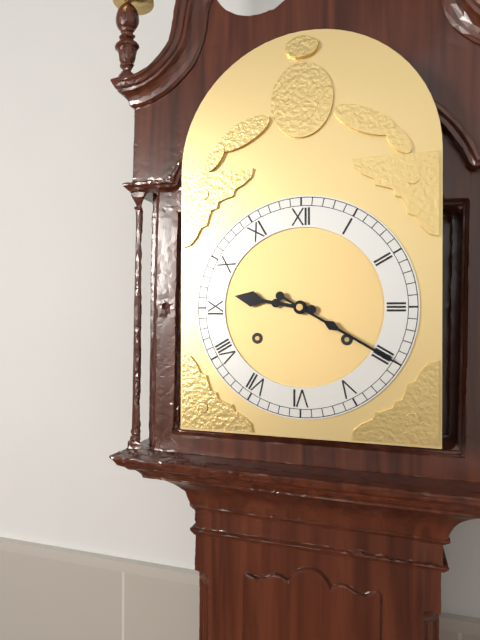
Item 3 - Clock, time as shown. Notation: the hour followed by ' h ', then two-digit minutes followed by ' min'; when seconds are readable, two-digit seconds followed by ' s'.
9 h 20 min
